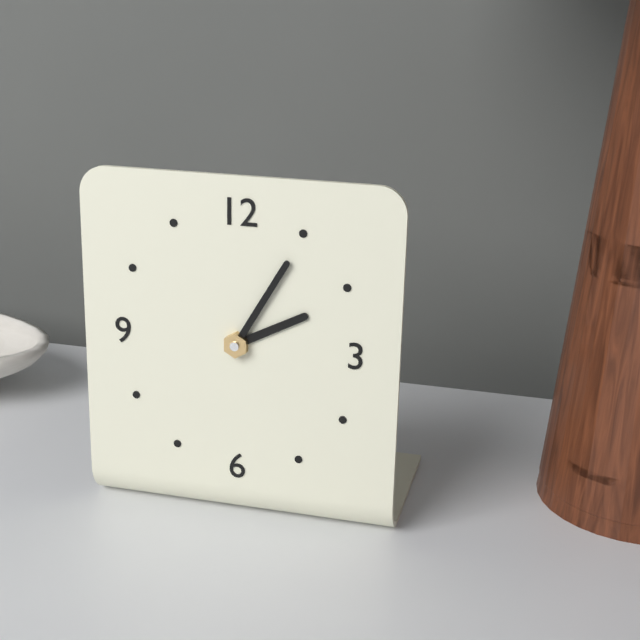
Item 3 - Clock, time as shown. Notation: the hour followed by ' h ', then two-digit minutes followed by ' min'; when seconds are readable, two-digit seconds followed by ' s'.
2 h 05 min
